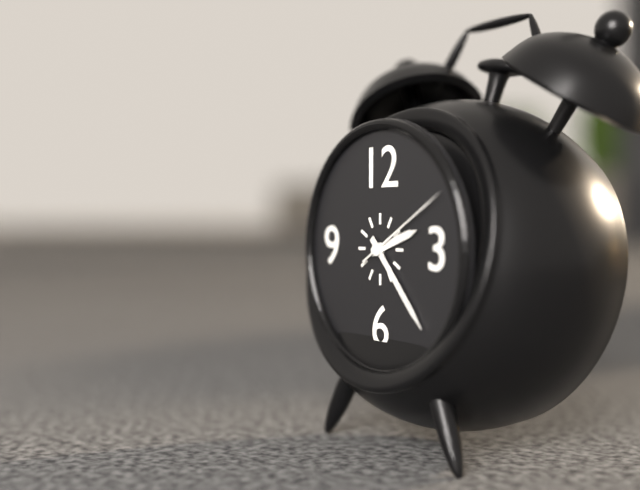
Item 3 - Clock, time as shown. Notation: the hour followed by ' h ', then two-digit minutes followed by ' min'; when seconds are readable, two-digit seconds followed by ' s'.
2 h 23 min 10 s
